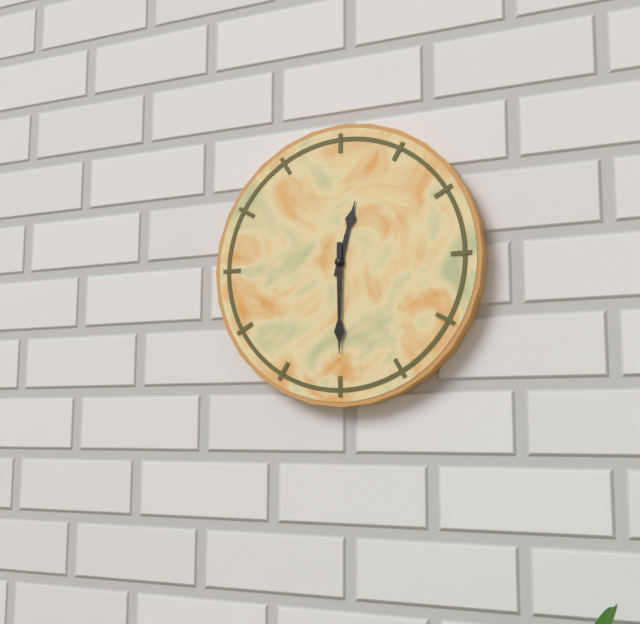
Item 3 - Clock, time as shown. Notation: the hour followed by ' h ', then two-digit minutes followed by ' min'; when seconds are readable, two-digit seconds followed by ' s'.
12 h 30 min
